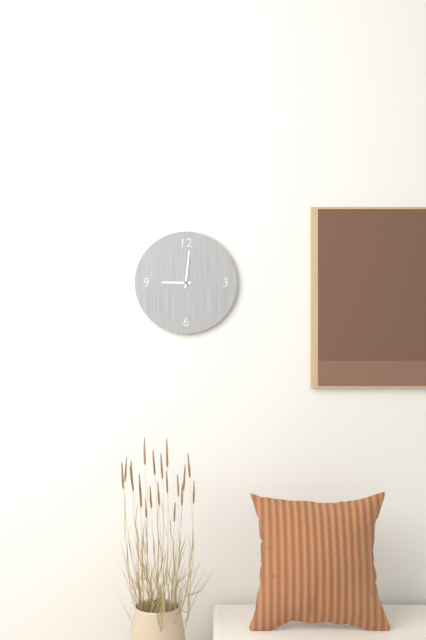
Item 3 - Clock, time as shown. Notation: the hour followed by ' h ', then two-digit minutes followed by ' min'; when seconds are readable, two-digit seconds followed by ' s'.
9 h 01 min
